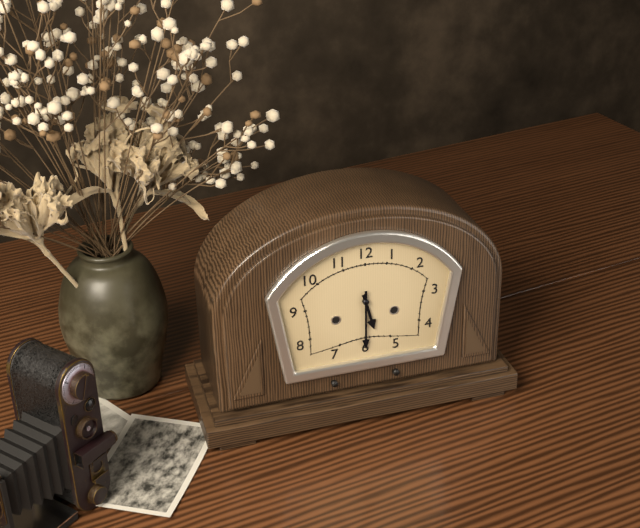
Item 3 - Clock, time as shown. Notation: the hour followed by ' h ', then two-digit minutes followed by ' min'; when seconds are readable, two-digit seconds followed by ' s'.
5 h 30 min
